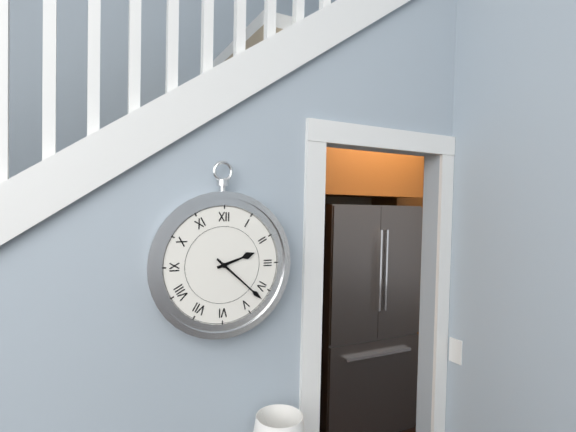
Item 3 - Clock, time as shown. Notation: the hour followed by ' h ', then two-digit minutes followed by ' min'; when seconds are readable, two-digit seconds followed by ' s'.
2 h 22 min
